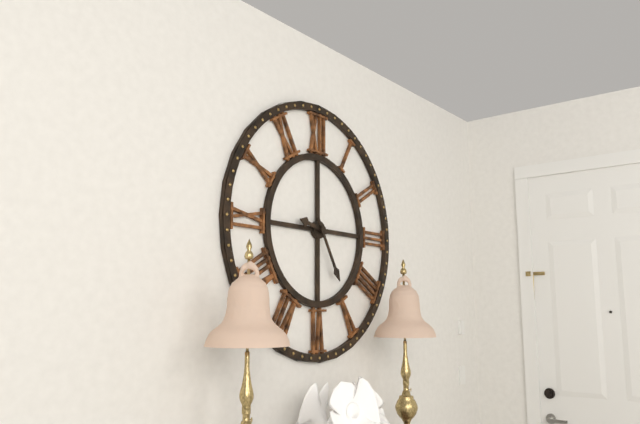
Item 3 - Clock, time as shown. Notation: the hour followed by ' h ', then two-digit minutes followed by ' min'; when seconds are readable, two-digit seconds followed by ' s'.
9 h 25 min
